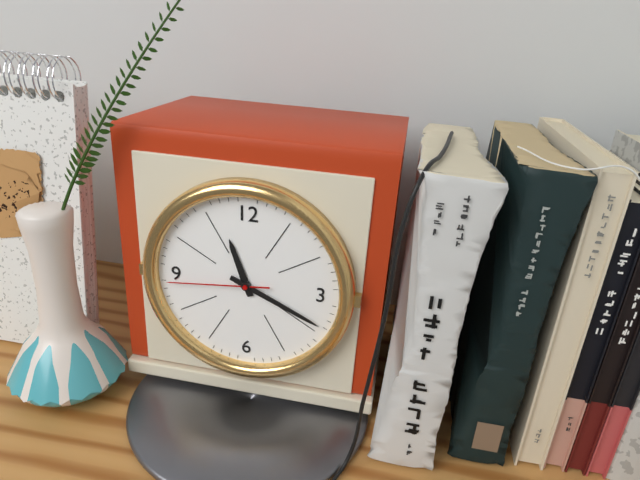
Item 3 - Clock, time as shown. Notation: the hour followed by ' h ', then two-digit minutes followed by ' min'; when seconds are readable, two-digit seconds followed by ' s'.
11 h 19 min 44 s
